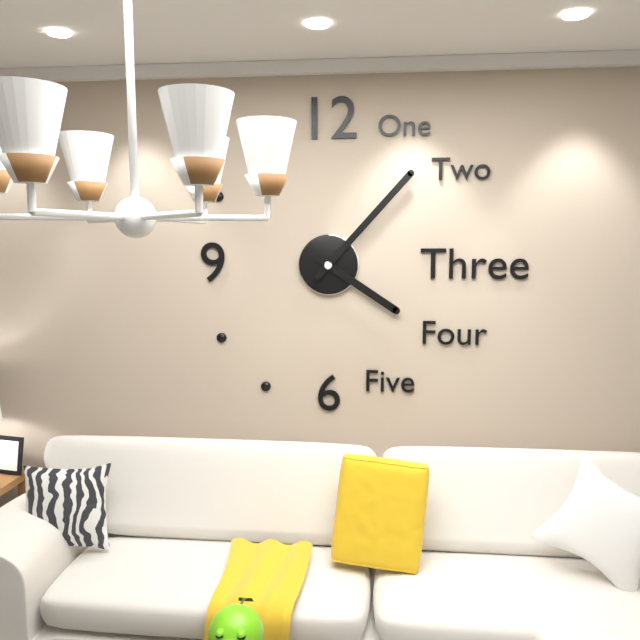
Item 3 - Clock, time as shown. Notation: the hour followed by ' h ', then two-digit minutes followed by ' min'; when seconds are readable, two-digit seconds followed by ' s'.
4 h 07 min
